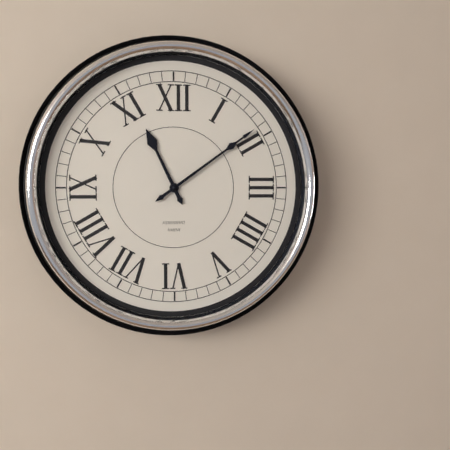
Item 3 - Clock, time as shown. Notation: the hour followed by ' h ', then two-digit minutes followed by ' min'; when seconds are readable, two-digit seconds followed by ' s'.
11 h 09 min
